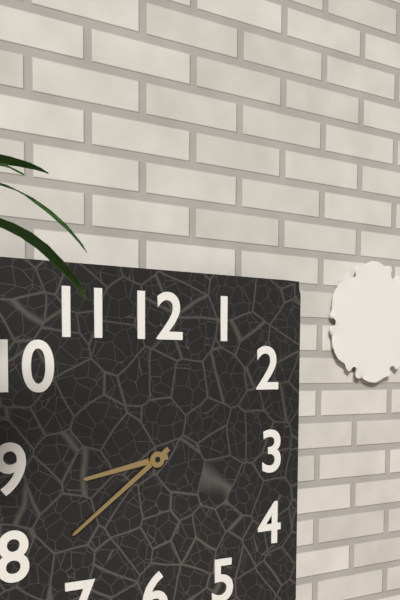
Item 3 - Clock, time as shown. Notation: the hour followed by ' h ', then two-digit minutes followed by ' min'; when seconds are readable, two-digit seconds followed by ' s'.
8 h 39 min
